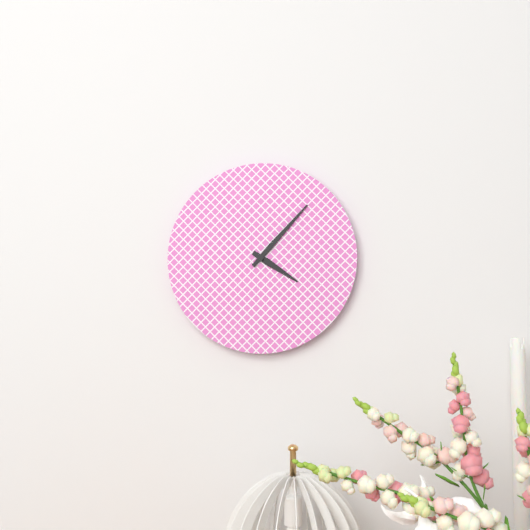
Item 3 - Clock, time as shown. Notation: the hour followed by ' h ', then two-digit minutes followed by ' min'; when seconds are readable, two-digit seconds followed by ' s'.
4 h 07 min
